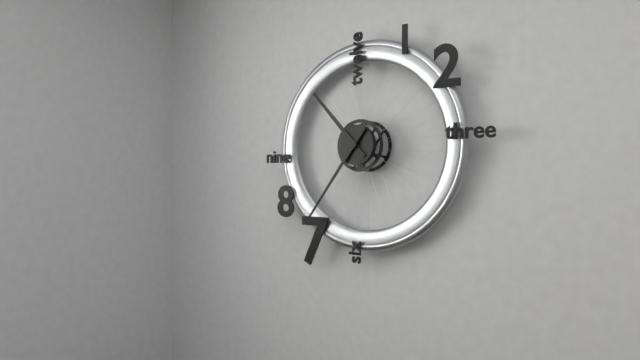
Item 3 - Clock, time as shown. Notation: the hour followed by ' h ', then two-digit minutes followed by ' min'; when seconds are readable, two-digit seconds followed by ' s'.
10 h 36 min
